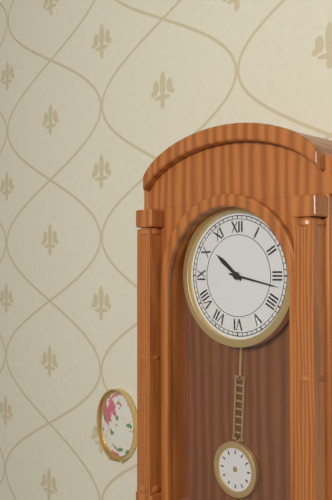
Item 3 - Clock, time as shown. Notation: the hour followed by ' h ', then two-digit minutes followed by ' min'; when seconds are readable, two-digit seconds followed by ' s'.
10 h 17 min
